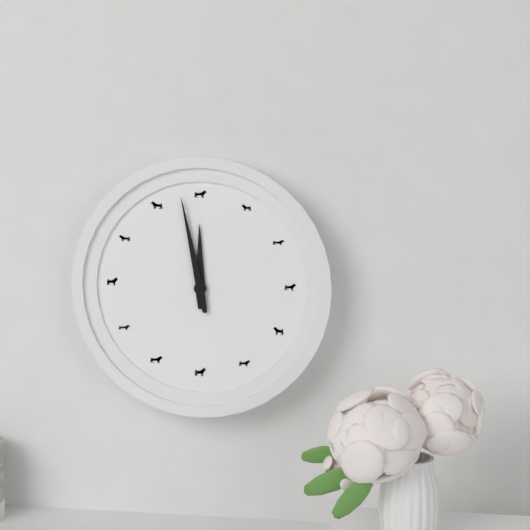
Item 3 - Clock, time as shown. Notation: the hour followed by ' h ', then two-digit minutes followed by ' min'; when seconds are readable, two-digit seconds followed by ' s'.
11 h 58 min
